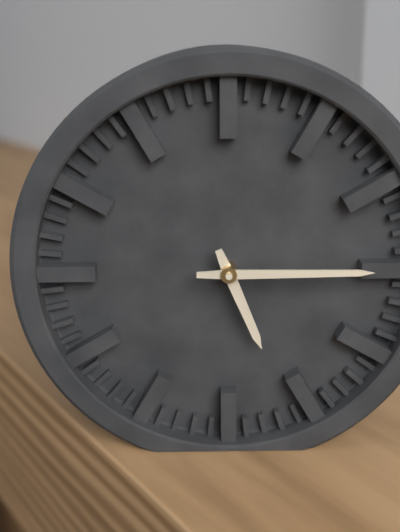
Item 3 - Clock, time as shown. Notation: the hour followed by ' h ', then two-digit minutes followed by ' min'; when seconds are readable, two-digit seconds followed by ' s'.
5 h 15 min
